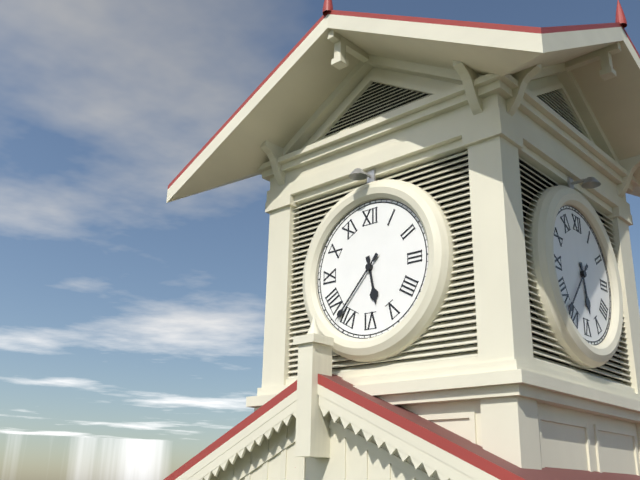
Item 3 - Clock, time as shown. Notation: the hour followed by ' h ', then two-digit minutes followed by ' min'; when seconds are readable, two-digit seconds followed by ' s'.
5 h 37 min
